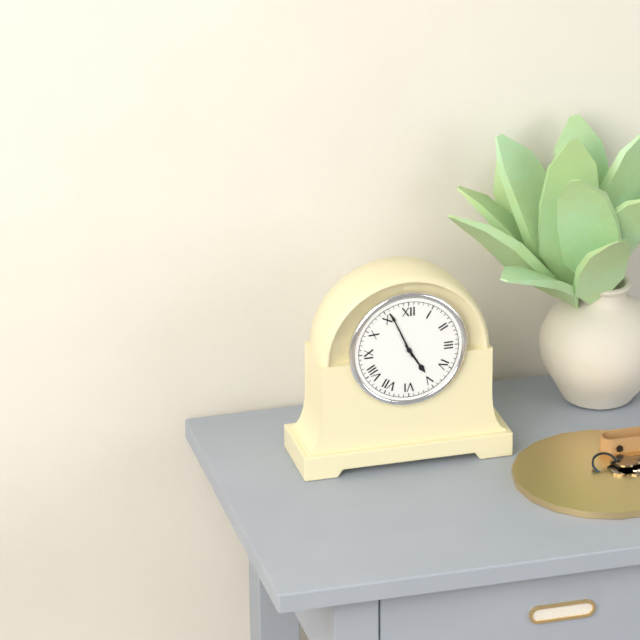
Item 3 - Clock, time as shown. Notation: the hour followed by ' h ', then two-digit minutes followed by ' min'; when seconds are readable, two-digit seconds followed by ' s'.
4 h 56 min
